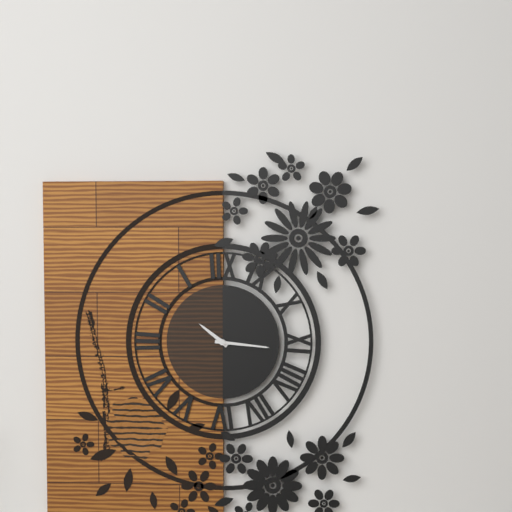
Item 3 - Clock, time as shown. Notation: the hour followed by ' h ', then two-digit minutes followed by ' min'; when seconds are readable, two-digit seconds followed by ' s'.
10 h 16 min
